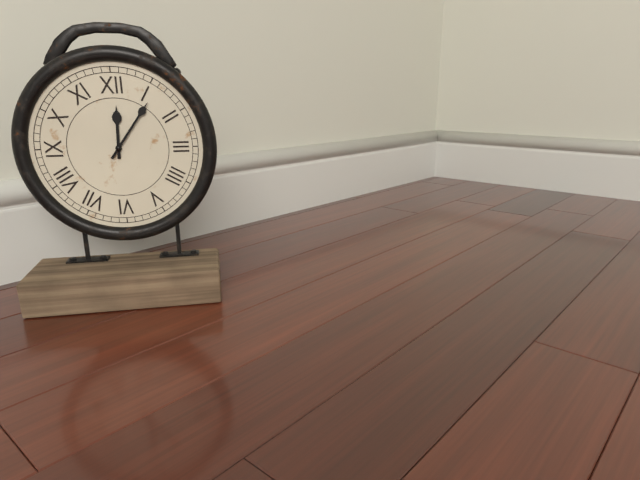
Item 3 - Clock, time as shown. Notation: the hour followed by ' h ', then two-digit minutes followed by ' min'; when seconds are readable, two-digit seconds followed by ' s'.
12 h 06 min
